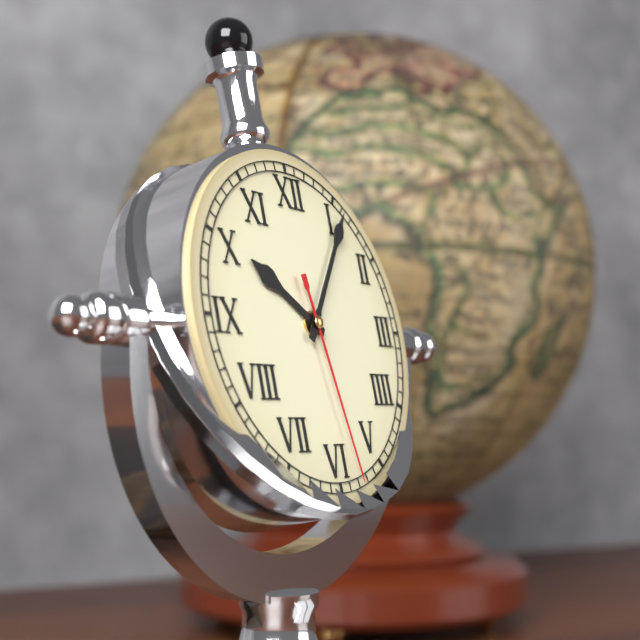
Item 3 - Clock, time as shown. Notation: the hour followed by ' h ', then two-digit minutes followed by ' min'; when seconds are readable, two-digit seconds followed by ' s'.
10 h 06 min 28 s
